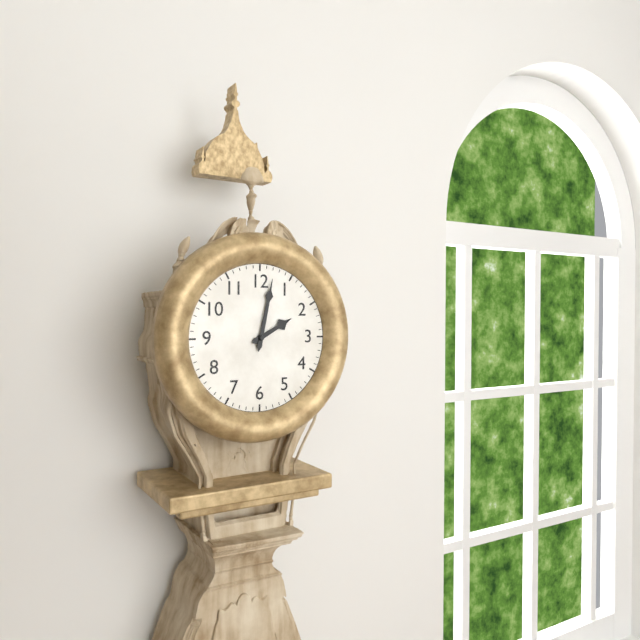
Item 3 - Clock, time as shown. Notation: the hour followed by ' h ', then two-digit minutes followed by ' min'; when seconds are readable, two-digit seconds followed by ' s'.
2 h 02 min
